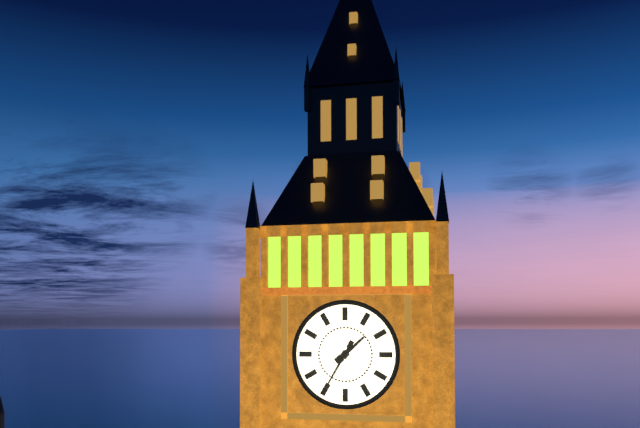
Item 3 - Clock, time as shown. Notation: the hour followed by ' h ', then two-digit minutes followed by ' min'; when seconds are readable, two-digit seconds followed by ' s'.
1 h 35 min
